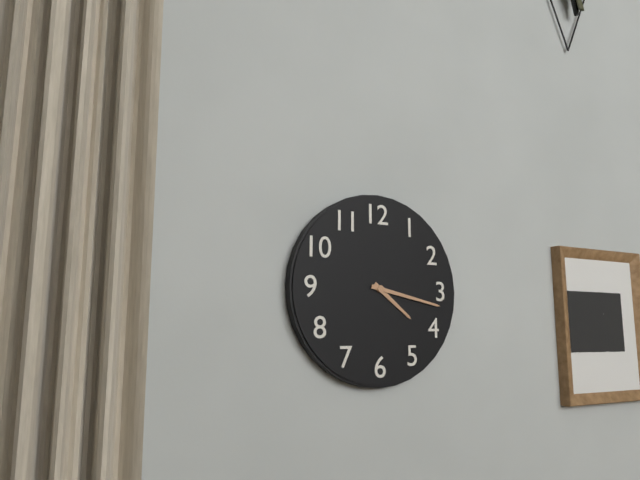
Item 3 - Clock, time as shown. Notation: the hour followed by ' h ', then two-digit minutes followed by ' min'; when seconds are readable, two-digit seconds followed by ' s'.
4 h 17 min
